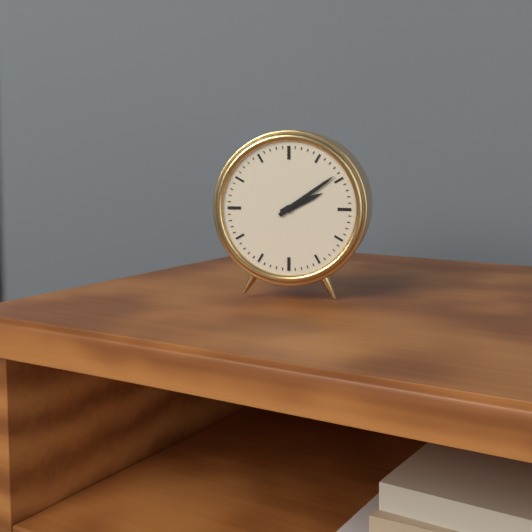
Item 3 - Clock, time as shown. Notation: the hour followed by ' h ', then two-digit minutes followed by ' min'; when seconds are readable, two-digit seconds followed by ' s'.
2 h 09 min
